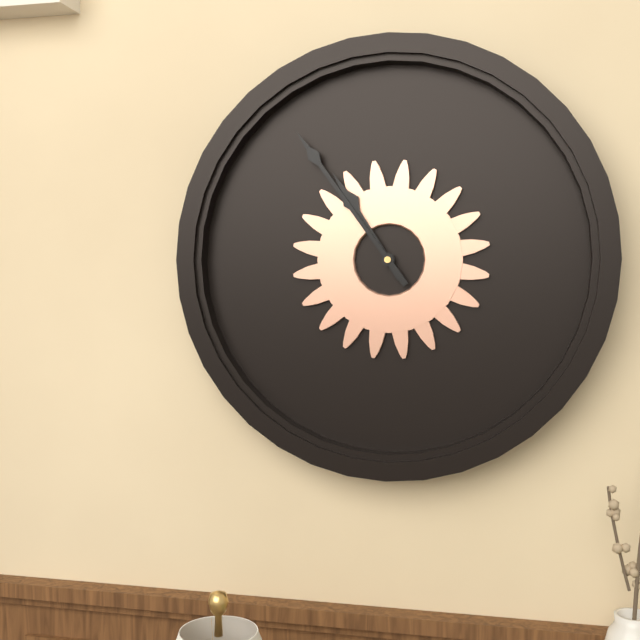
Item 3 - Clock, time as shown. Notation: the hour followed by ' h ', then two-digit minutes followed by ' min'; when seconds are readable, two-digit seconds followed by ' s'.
10 h 54 min
